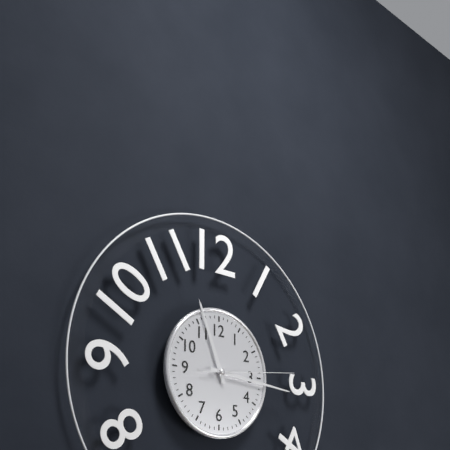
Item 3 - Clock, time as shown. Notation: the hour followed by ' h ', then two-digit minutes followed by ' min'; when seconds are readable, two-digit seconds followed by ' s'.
11 h 16 min 14 s
